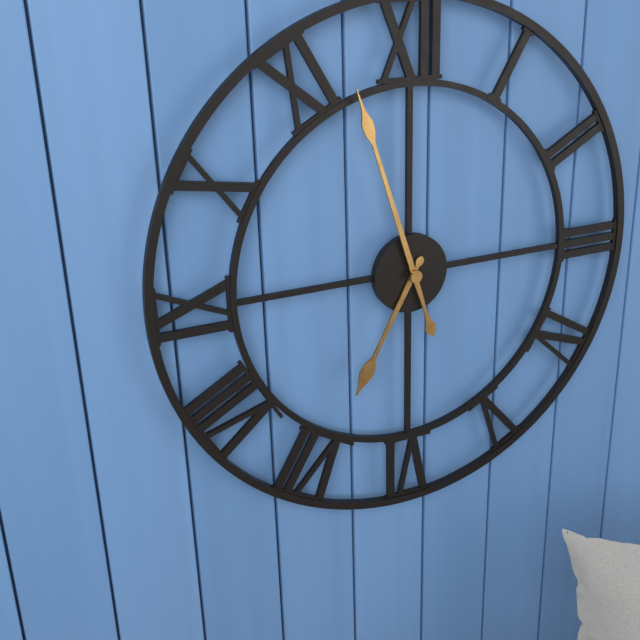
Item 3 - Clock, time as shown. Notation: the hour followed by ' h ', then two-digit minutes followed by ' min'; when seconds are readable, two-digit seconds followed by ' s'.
6 h 57 min
